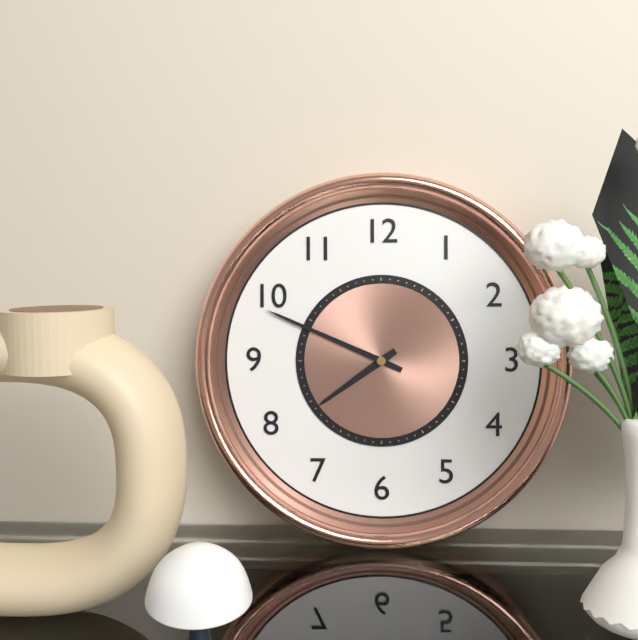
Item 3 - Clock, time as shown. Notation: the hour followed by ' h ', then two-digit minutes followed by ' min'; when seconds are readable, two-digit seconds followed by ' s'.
7 h 49 min
